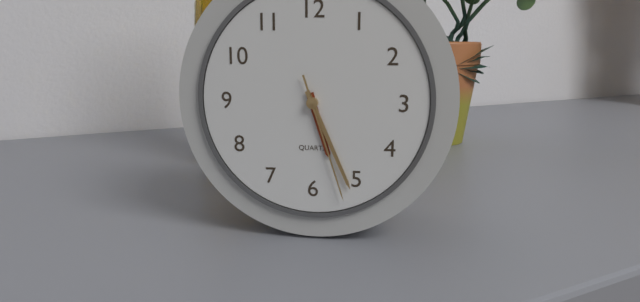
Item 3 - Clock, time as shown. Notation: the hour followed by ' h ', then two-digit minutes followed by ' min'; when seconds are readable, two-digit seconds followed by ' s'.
5 h 26 min 27 s
